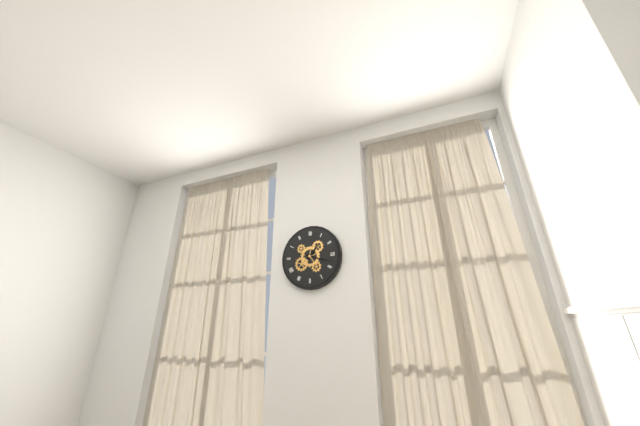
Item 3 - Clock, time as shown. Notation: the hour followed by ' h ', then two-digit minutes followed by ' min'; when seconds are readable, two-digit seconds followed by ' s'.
1 h 18 min
